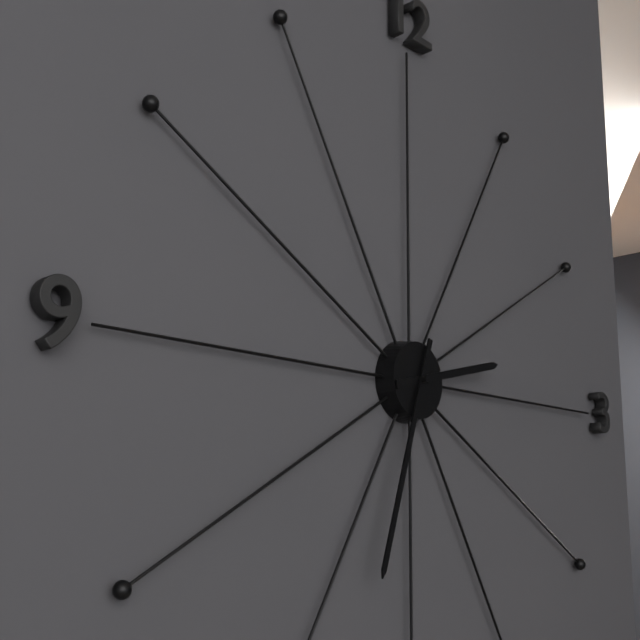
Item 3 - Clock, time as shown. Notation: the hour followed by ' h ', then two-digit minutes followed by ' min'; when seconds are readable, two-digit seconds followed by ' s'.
2 h 33 min
